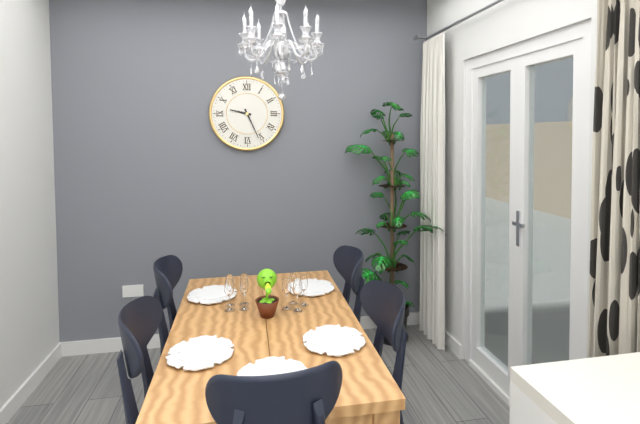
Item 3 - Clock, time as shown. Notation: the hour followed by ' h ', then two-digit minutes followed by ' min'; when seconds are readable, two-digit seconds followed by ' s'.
9 h 26 min
